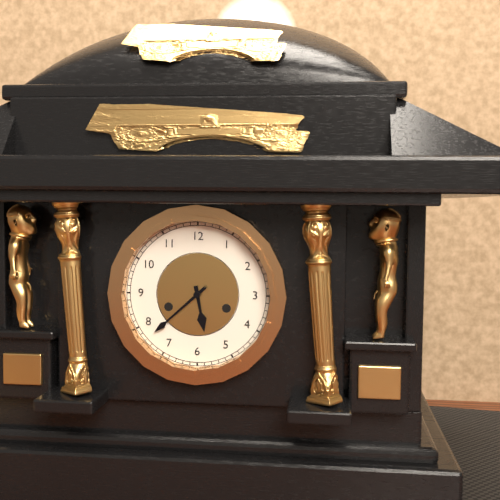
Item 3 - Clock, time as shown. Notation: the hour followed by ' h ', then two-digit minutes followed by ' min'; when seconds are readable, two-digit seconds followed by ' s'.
5 h 38 min
